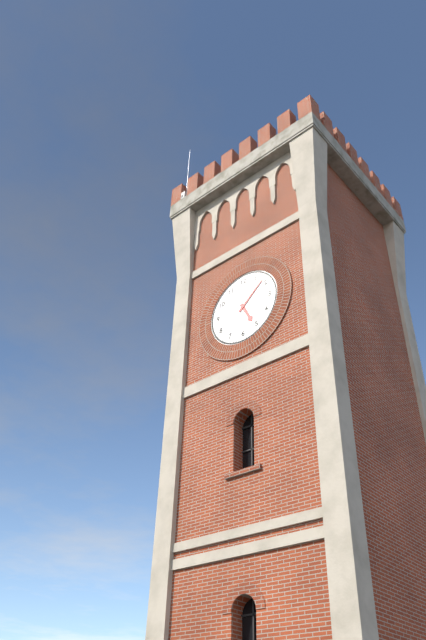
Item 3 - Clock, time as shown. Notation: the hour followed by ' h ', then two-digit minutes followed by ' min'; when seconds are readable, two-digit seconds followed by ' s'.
5 h 08 min
